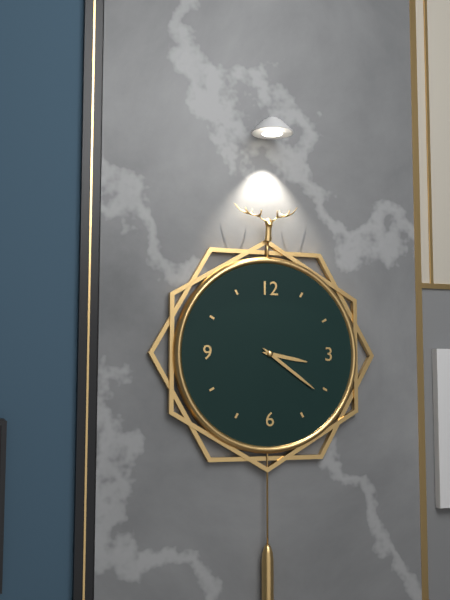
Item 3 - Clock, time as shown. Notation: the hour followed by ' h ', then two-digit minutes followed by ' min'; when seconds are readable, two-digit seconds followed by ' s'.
3 h 21 min
